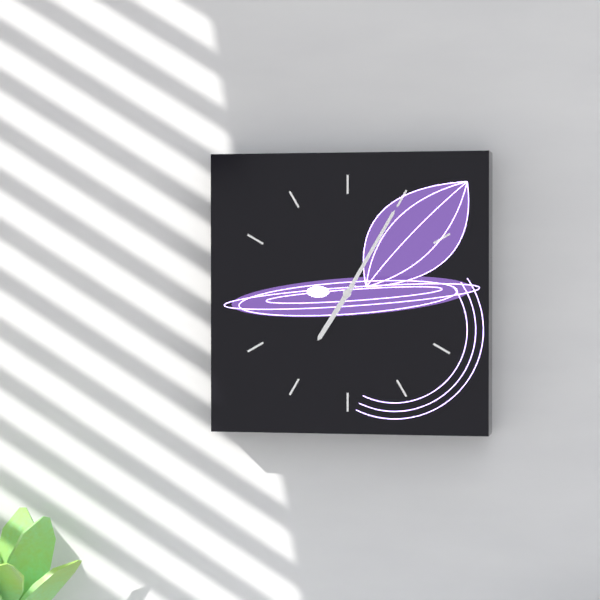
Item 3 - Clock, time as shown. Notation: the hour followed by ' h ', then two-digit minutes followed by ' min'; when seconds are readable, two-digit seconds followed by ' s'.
7 h 05 min
